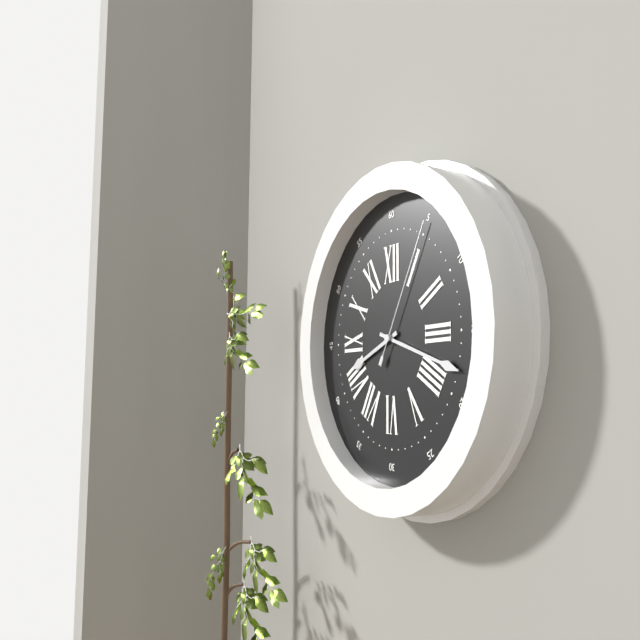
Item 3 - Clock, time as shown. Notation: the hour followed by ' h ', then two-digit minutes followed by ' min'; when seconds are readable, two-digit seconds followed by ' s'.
8 h 18 min 05 s
